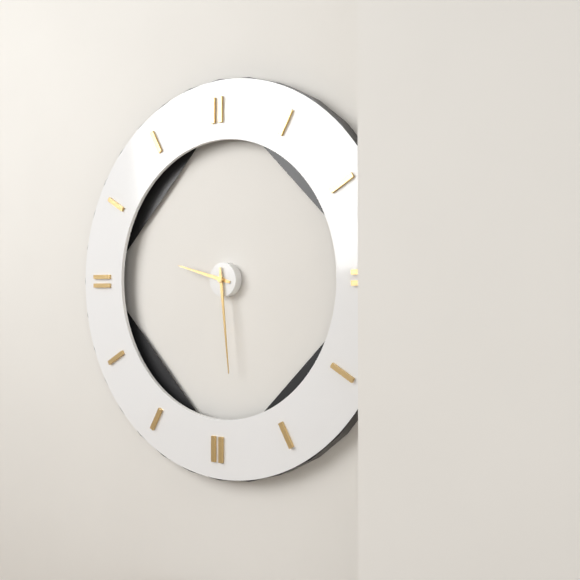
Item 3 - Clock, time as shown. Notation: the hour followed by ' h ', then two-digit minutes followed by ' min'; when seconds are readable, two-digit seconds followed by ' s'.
9 h 29 min
